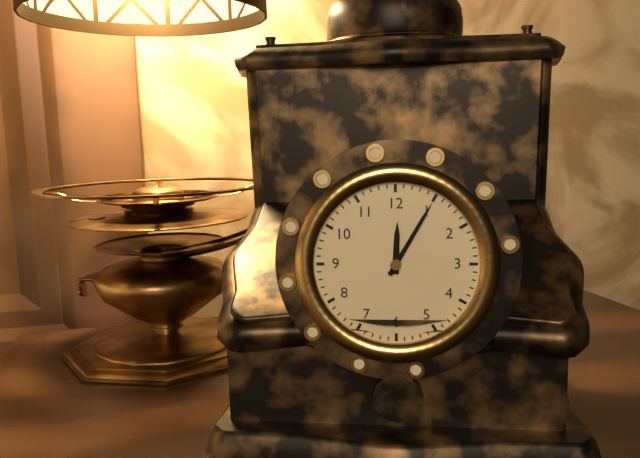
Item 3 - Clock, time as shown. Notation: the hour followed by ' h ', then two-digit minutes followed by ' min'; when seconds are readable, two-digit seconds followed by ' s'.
12 h 05 min
